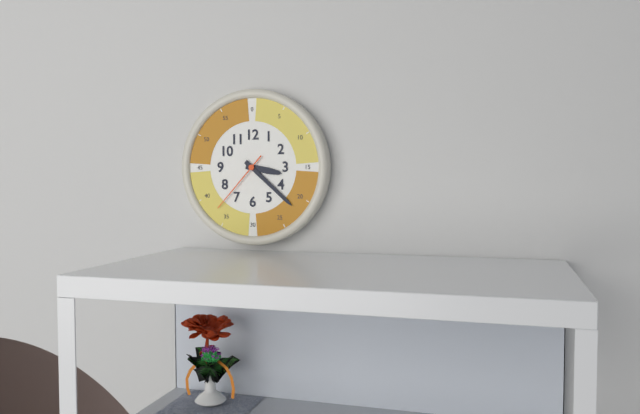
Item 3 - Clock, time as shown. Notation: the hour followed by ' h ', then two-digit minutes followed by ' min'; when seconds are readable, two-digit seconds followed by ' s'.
3 h 22 min 37 s
